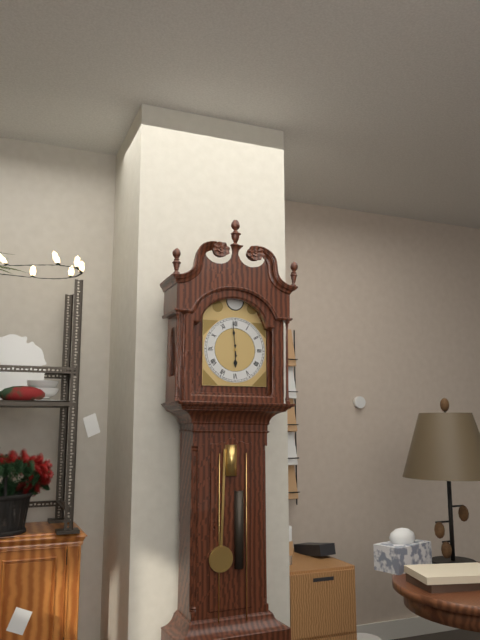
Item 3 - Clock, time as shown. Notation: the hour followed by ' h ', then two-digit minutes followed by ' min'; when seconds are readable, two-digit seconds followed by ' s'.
5 h 59 min
